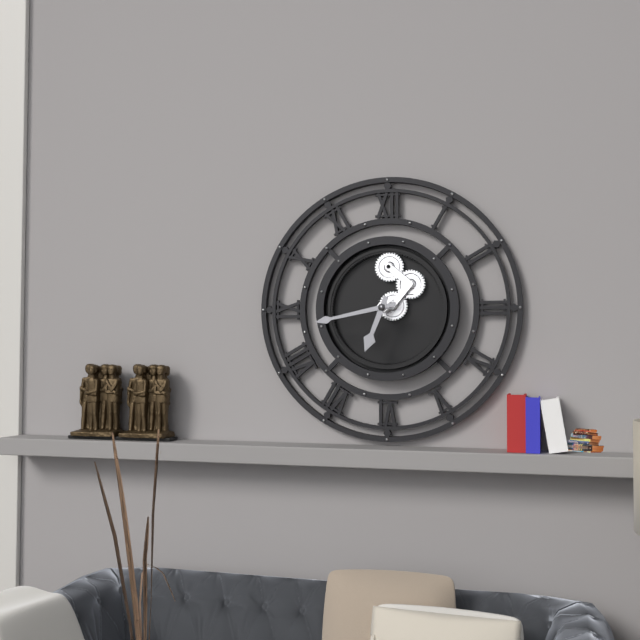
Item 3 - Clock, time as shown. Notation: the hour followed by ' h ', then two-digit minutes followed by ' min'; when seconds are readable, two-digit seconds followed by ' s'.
6 h 43 min
